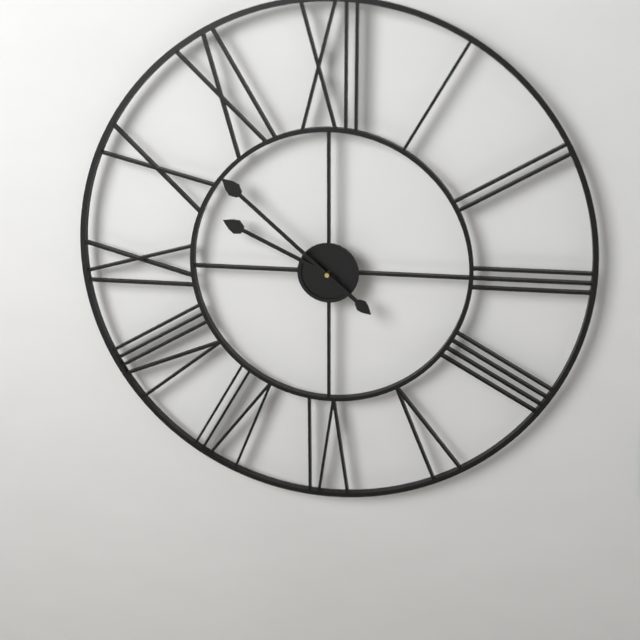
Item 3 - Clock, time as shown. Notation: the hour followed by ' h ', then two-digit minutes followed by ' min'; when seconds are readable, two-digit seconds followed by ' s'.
9 h 52 min
